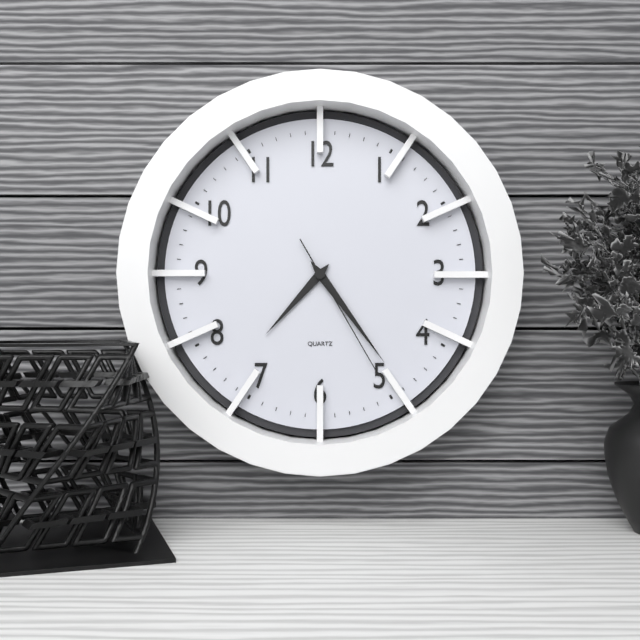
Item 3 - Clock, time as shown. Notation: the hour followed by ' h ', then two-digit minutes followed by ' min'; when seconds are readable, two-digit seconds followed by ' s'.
7 h 24 min 25 s
